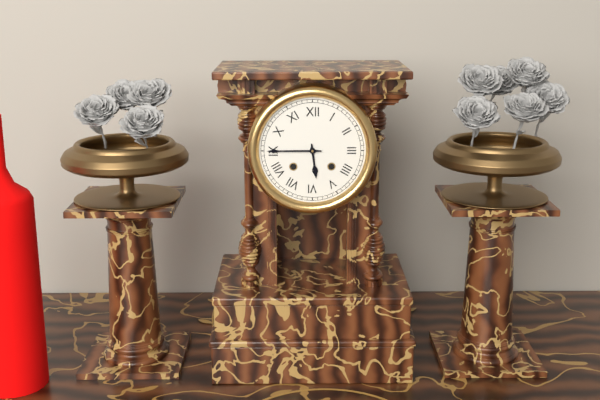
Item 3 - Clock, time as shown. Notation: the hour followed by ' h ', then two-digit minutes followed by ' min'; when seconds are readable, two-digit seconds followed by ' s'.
5 h 45 min
